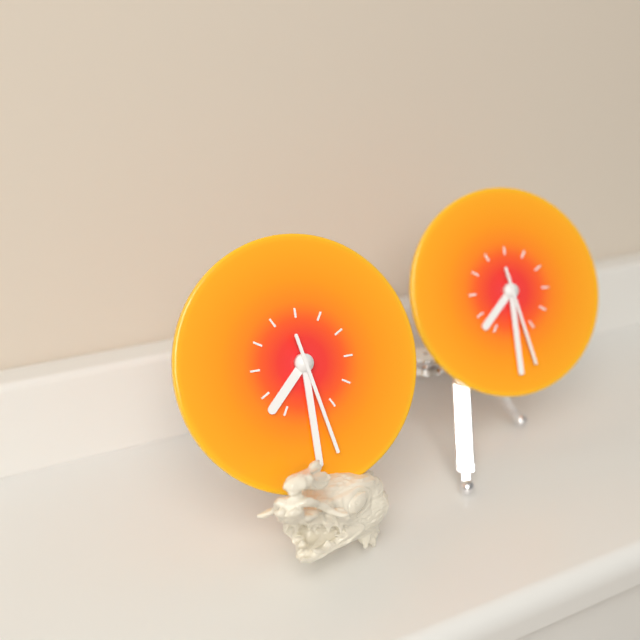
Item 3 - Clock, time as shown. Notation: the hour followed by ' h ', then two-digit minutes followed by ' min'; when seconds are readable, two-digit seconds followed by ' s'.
7 h 30 min 28 s
